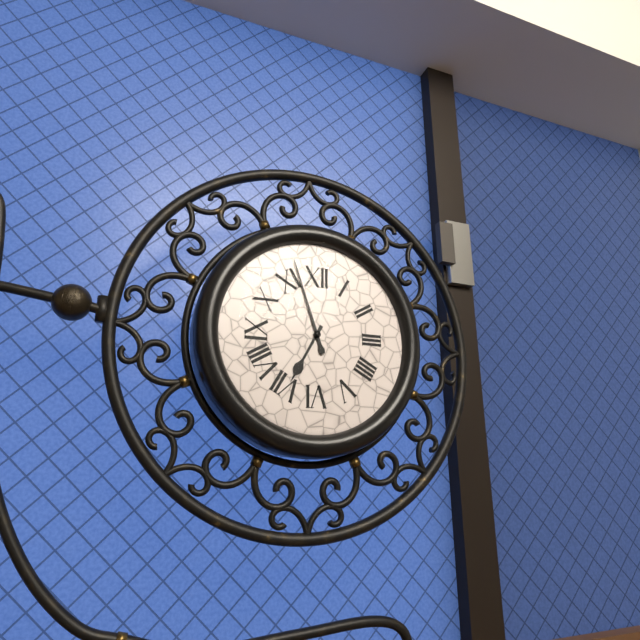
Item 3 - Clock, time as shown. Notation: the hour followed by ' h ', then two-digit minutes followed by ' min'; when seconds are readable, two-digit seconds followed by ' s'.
6 h 57 min
